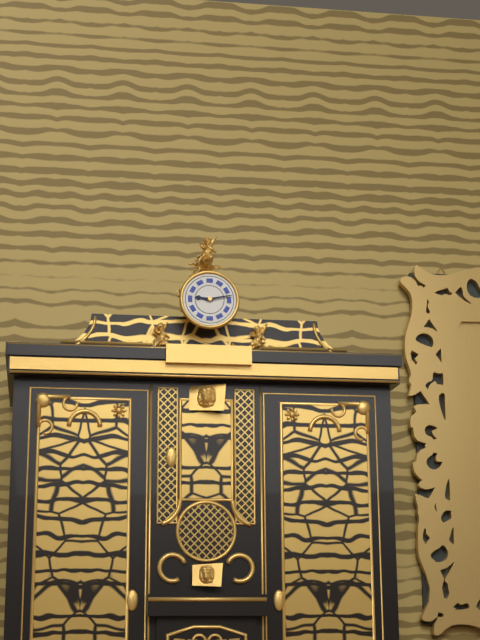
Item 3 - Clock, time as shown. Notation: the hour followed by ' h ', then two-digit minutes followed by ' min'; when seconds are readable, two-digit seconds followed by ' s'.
9 h 13 min
